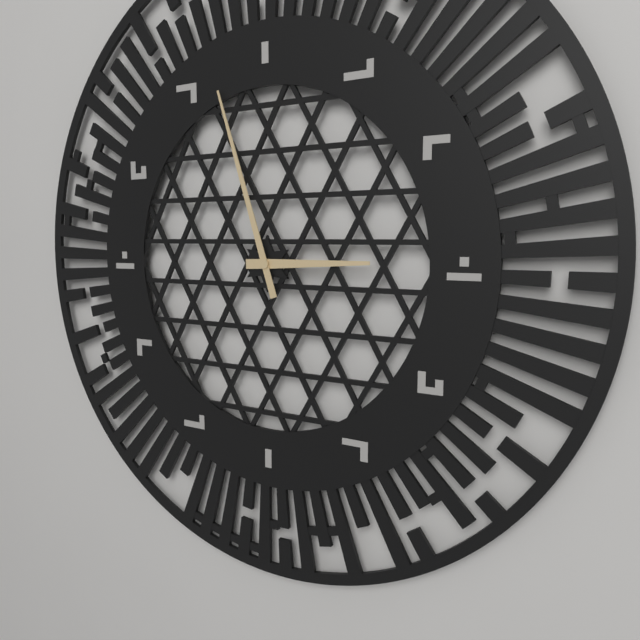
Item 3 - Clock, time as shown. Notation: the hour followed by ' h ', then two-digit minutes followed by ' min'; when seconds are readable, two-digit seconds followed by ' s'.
2 h 57 min
